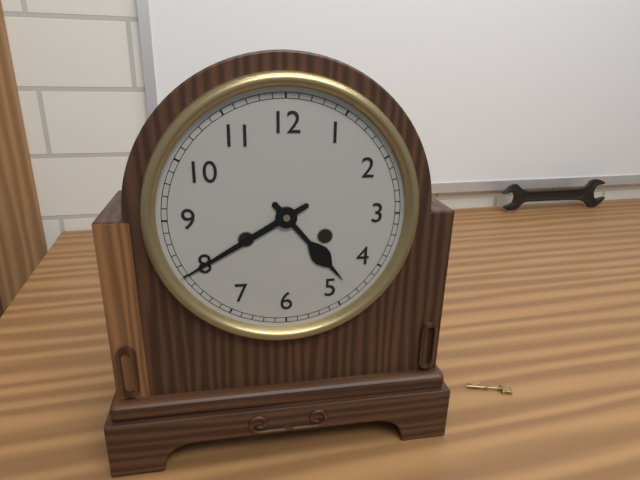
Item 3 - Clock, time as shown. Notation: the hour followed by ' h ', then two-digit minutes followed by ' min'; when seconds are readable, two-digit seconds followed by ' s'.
4 h 40 min
